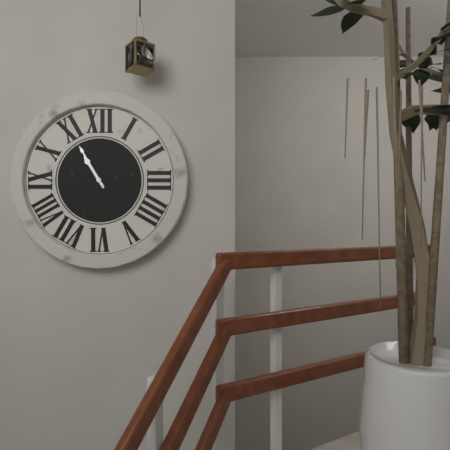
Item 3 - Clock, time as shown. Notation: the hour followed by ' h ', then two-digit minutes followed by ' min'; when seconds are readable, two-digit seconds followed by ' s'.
10 h 55 min
